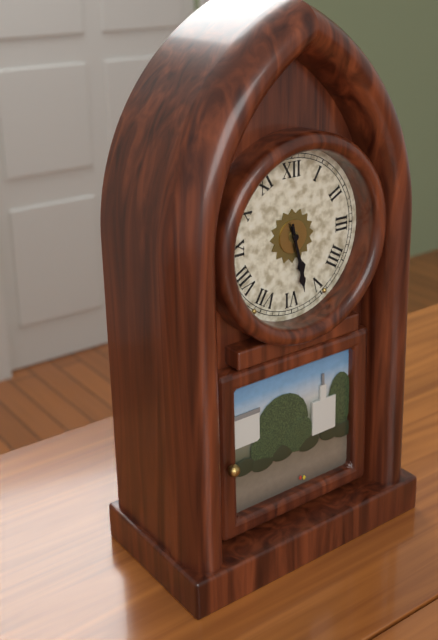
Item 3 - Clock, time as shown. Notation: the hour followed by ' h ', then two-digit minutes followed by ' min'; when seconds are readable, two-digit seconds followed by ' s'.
5 h 28 min
